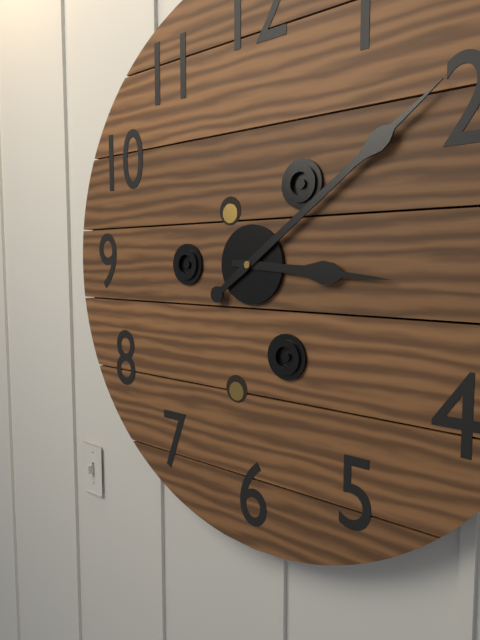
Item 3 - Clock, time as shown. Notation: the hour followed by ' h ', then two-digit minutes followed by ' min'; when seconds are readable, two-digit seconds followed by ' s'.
3 h 09 min
